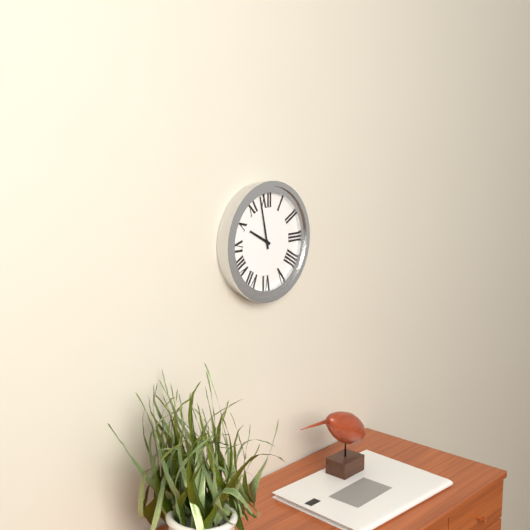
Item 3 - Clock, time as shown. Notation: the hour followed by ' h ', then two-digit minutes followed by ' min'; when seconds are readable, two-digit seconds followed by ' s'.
9 h 58 min
